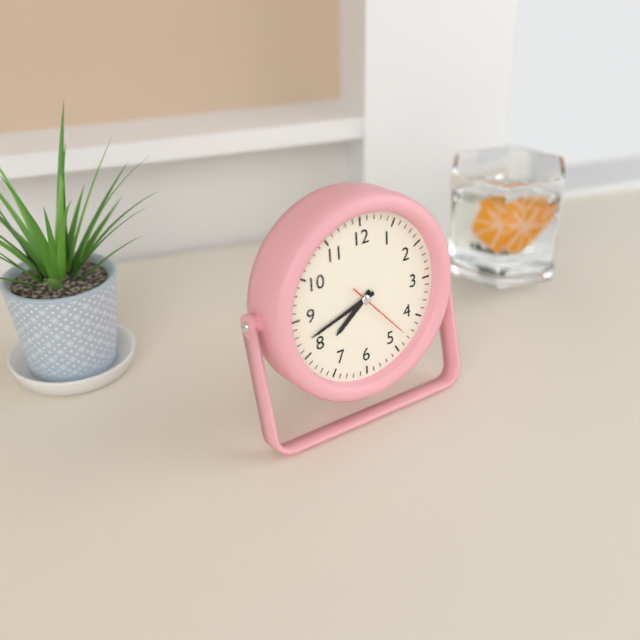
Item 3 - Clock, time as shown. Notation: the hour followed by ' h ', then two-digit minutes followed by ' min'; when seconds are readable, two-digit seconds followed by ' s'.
7 h 42 min 23 s
